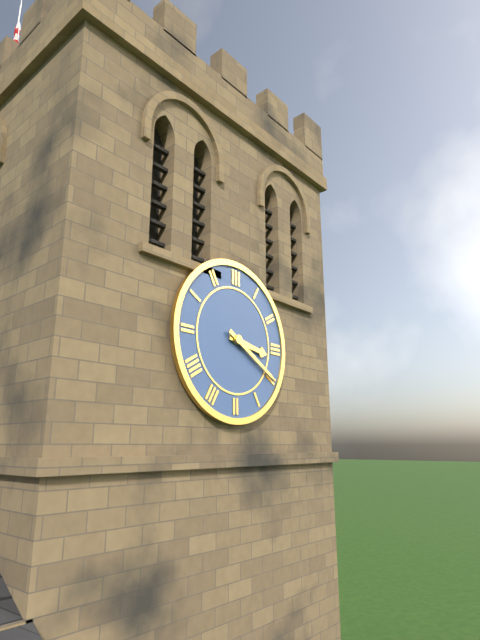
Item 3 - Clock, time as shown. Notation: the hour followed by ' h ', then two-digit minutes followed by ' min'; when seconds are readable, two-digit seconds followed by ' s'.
3 h 20 min
